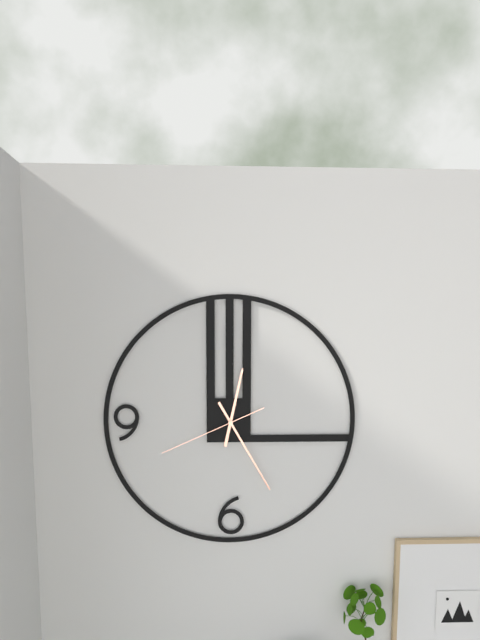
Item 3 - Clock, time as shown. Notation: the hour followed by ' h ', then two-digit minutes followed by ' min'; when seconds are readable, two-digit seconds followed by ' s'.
12 h 25 min 41 s
